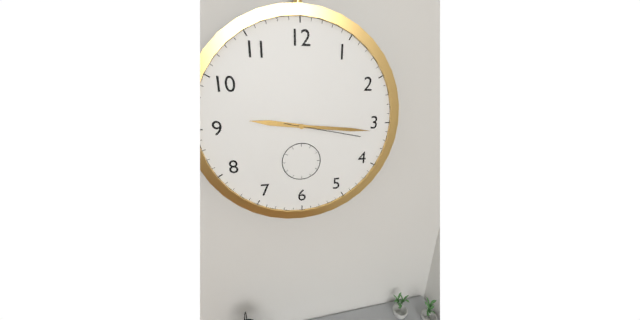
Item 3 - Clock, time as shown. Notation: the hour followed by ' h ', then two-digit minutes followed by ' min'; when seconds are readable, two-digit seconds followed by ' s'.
9 h 16 min 17 s
